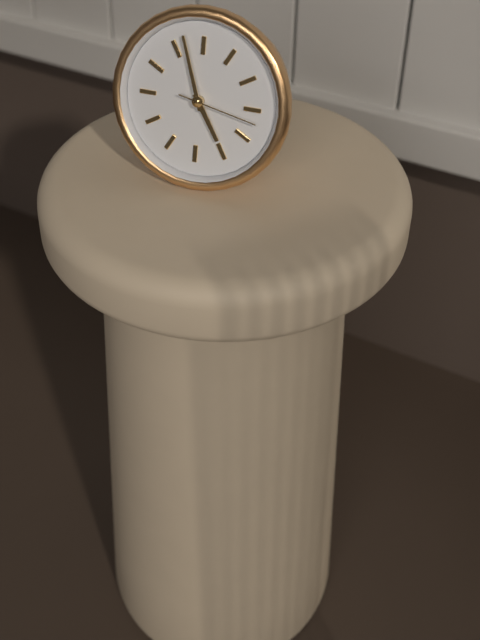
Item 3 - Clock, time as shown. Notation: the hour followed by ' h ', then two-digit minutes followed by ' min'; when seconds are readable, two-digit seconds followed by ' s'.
4 h 57 min 17 s
